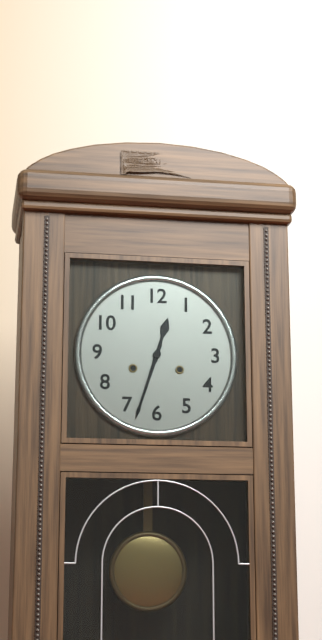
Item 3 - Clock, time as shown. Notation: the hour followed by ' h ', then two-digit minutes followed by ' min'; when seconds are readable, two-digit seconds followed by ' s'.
12 h 33 min
